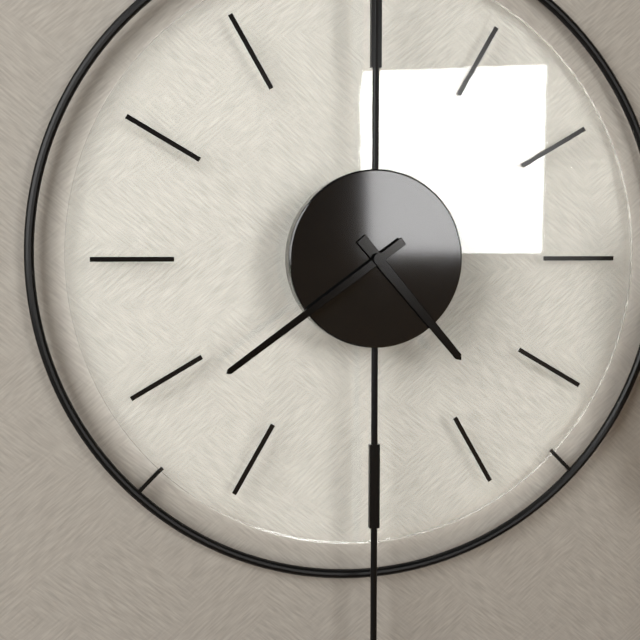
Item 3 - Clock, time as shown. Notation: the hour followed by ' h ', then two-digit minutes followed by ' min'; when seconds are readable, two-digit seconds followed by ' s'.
4 h 39 min
